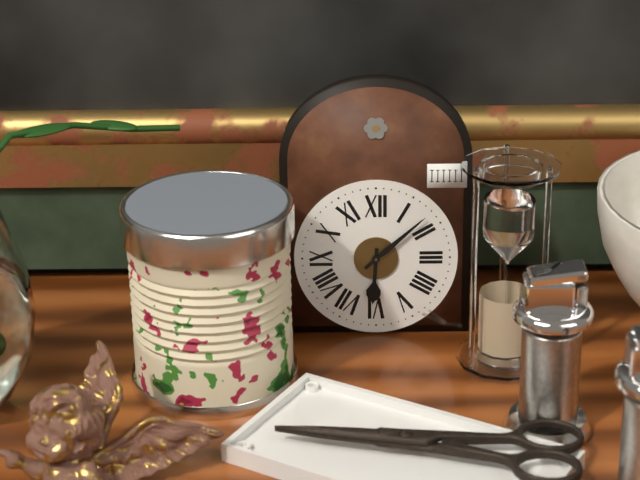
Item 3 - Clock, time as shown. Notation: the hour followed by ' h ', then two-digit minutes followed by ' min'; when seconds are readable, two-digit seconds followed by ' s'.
6 h 08 min
